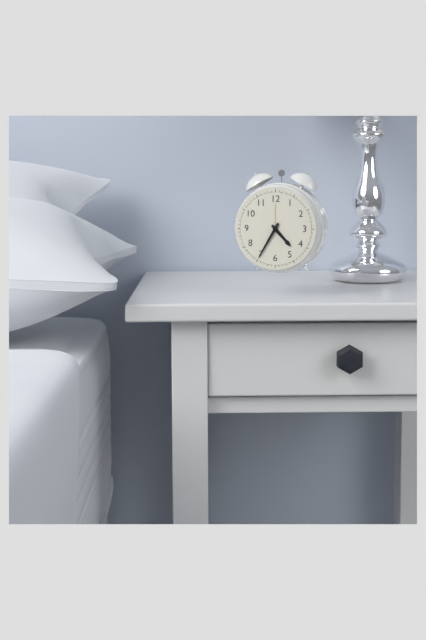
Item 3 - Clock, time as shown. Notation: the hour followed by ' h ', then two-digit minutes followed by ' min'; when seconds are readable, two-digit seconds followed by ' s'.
4 h 35 min
